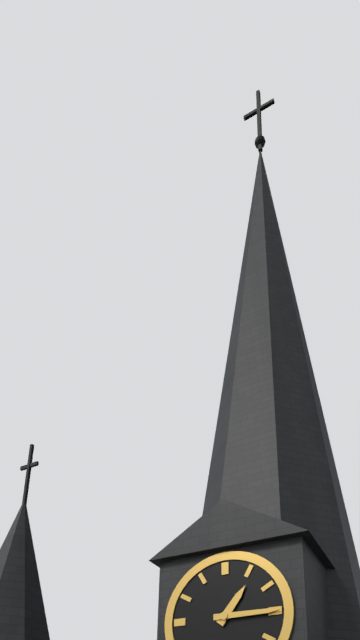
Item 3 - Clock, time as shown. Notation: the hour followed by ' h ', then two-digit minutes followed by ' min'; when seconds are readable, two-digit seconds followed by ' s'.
1 h 15 min
